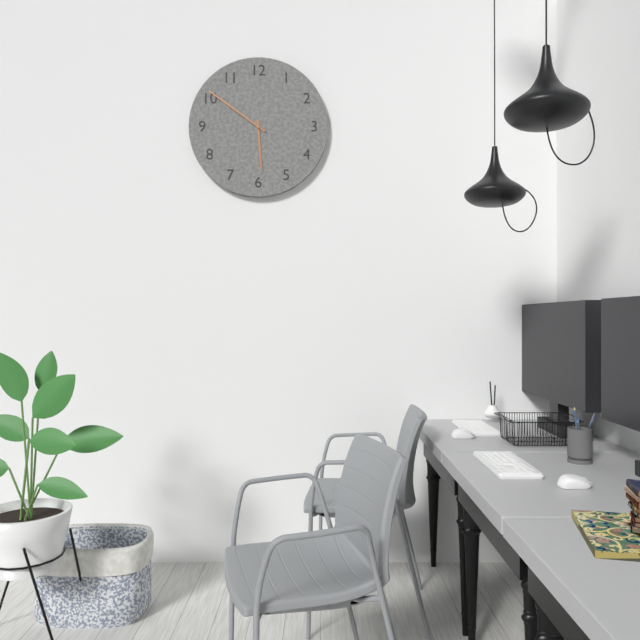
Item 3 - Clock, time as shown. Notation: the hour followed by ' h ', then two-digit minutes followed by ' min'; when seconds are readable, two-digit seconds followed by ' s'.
5 h 51 min
